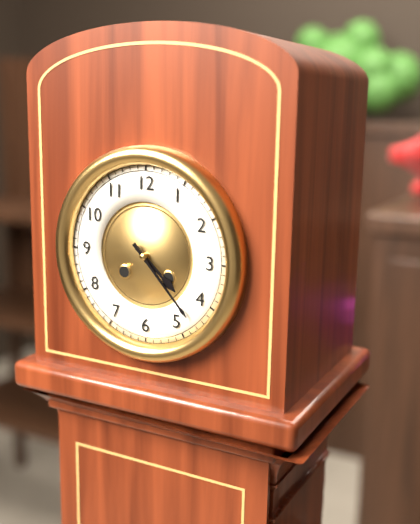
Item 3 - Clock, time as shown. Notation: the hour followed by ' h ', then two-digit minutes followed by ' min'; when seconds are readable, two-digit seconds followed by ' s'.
4 h 23 min
